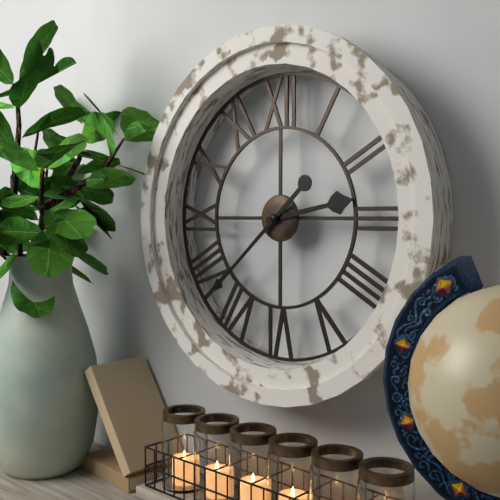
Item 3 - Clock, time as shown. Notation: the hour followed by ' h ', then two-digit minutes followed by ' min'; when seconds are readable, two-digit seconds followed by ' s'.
2 h 38 min
